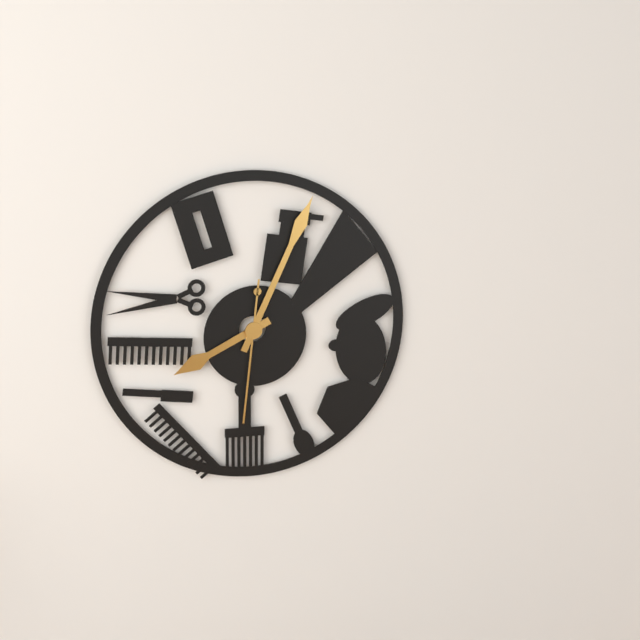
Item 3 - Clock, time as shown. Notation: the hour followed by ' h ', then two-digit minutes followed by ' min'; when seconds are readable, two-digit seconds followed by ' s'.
8 h 04 min 31 s
